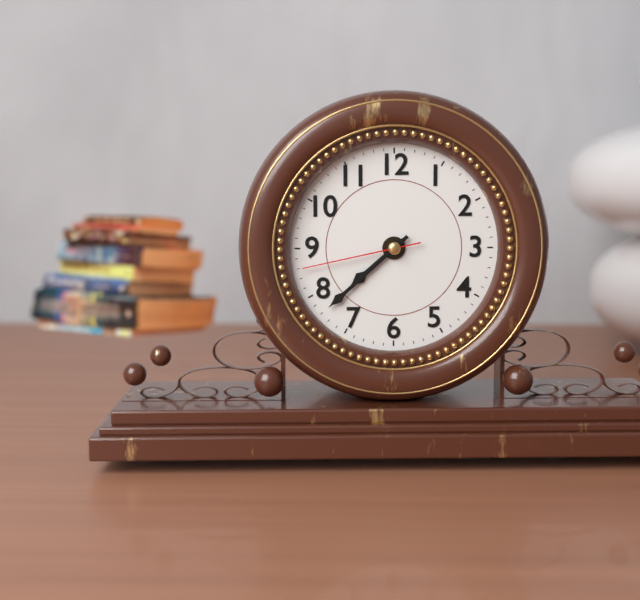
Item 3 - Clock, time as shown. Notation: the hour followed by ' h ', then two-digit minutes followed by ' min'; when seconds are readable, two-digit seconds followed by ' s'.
7 h 38 min 43 s
